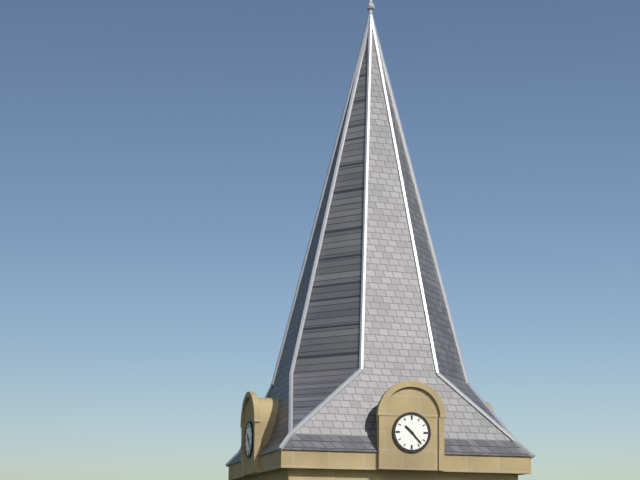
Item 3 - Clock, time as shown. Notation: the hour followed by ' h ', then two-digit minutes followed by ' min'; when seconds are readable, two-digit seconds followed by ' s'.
10 h 23 min
